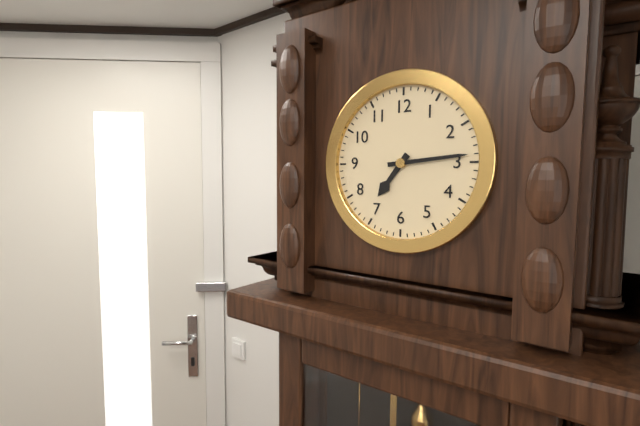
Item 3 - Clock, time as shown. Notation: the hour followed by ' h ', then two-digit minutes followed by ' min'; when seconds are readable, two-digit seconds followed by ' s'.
7 h 14 min
